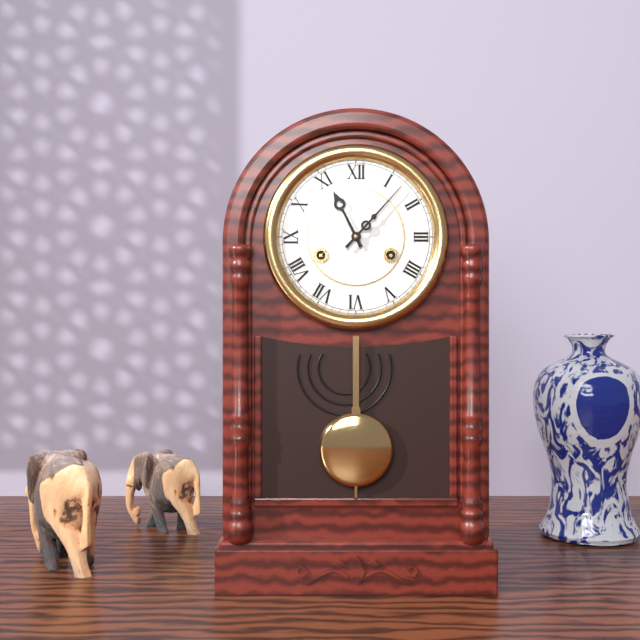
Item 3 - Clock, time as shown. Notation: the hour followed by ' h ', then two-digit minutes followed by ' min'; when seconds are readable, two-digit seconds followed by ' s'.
11 h 07 min
